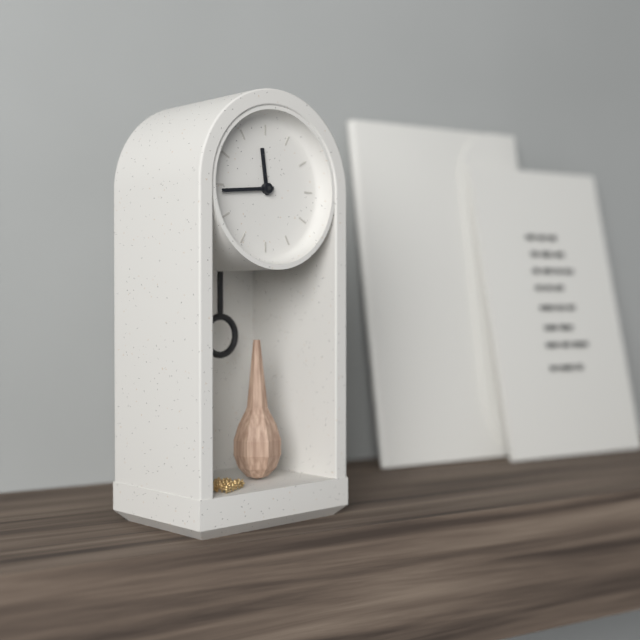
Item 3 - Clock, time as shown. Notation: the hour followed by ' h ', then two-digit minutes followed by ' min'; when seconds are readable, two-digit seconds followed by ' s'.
11 h 44 min
